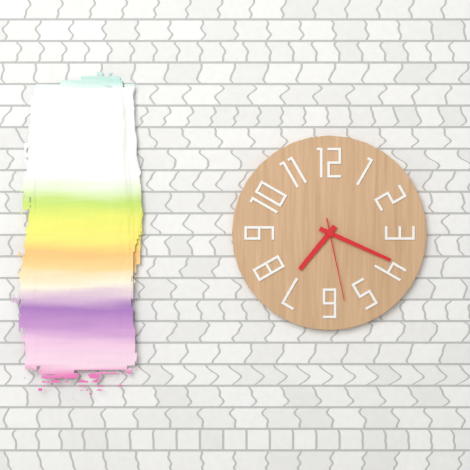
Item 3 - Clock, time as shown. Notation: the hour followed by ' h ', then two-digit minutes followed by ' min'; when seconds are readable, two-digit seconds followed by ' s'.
7 h 19 min 28 s
